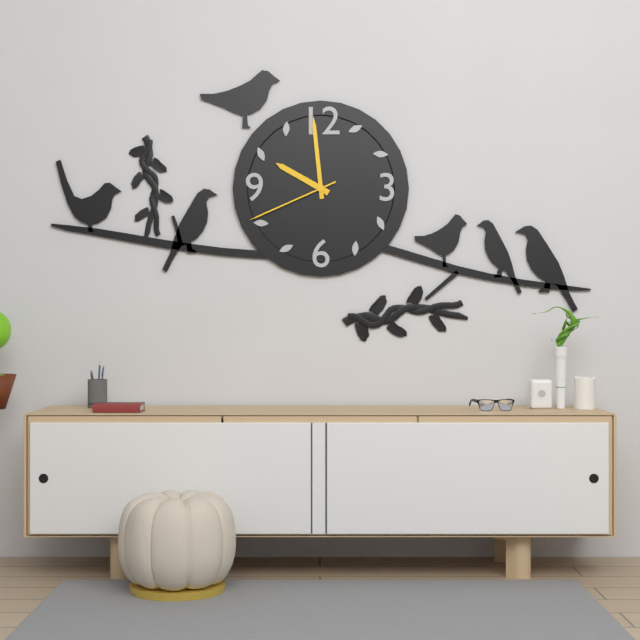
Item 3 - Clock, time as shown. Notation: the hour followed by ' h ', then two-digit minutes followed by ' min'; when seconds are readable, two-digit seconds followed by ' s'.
9 h 59 min 41 s
